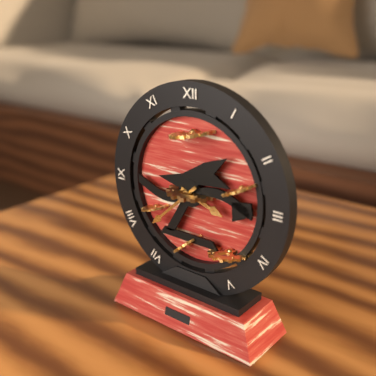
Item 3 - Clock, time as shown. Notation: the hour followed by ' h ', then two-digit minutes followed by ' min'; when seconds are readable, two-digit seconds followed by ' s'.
3 h 38 min
